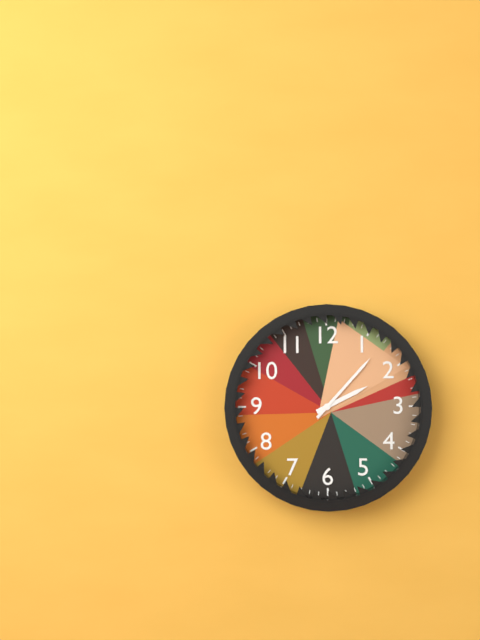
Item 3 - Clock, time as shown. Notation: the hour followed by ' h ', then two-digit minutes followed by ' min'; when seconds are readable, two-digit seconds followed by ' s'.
2 h 07 min
